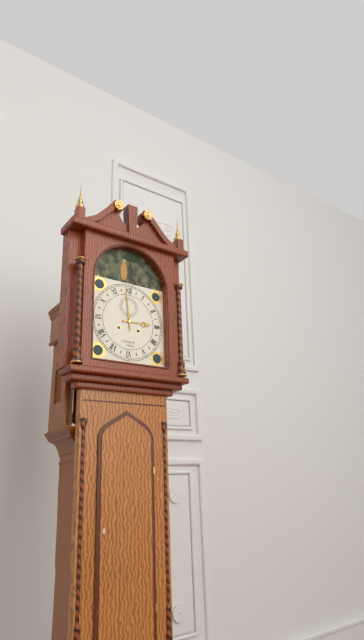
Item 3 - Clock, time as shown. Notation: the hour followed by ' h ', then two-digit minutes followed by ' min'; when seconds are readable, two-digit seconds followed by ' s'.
2 h 59 min
